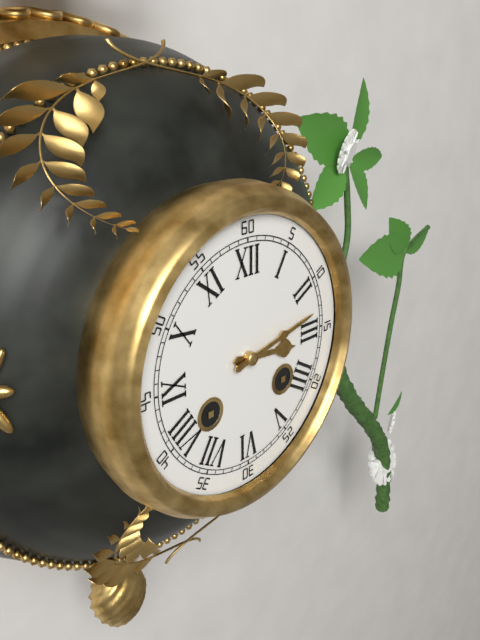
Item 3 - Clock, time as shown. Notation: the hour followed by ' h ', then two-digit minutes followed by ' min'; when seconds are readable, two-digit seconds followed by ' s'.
3 h 13 min
